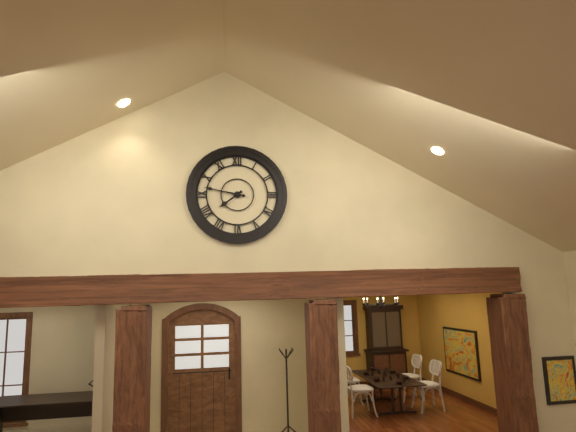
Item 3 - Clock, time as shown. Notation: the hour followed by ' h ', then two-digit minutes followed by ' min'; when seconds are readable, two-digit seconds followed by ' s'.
7 h 47 min
